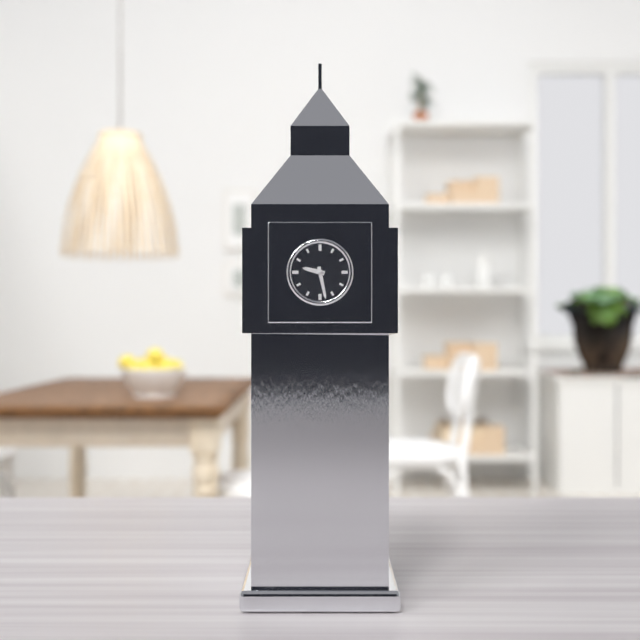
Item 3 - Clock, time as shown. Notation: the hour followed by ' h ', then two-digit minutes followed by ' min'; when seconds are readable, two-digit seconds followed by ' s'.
9 h 28 min
